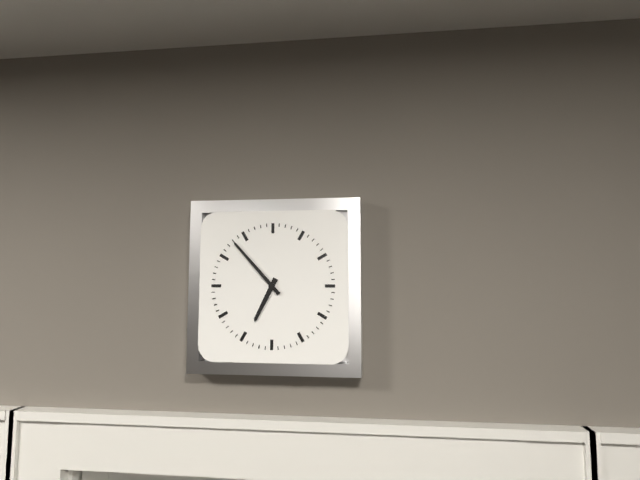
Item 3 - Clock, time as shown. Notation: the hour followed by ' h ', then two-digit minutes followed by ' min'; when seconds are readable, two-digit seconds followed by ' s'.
6 h 53 min
